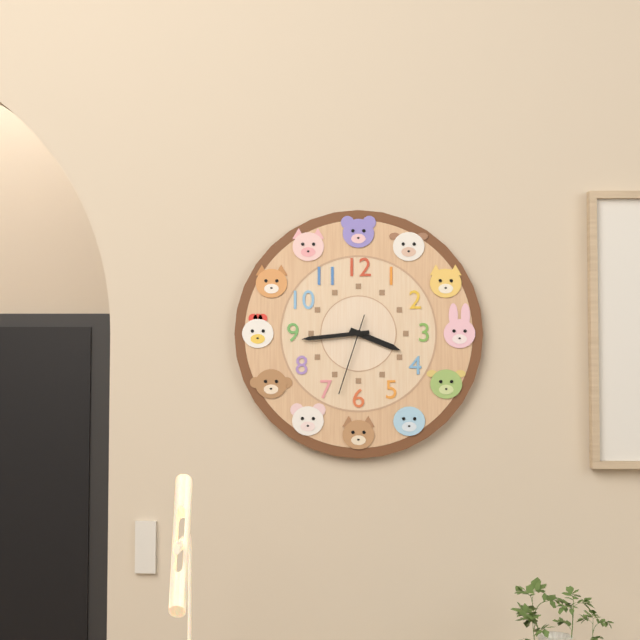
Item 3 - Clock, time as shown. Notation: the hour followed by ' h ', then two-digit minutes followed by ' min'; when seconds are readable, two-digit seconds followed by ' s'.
3 h 44 min 33 s
